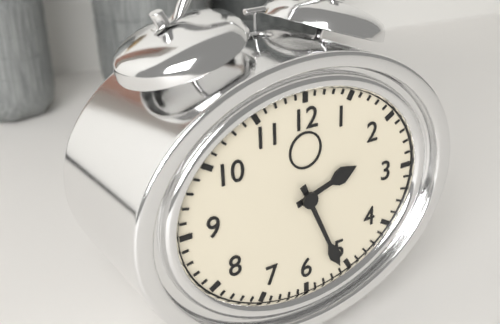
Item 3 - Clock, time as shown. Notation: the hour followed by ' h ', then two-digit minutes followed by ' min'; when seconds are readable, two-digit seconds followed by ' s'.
2 h 26 min
